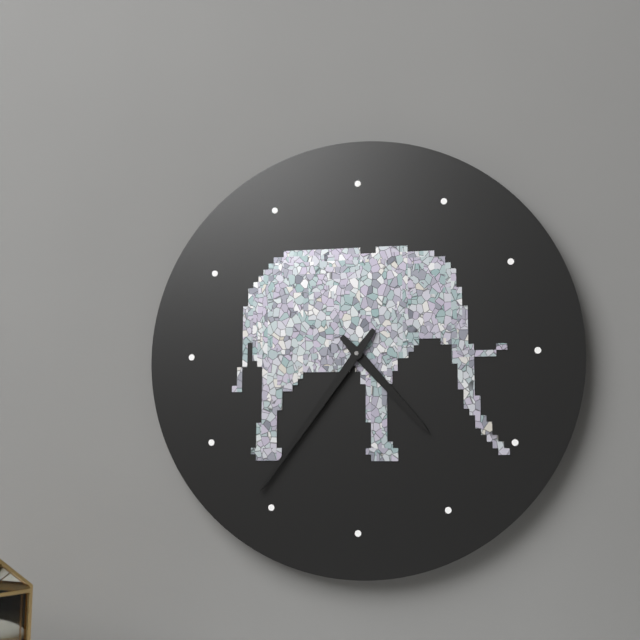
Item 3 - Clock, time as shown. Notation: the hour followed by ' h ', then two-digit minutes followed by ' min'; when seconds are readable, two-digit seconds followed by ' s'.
4 h 36 min
